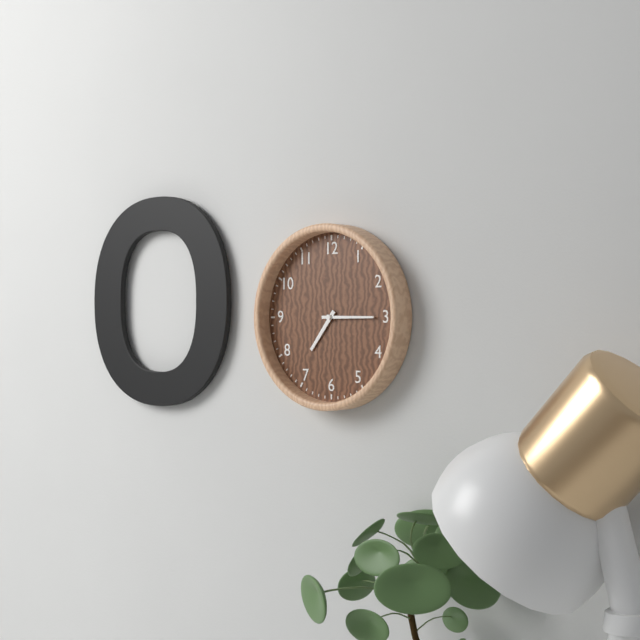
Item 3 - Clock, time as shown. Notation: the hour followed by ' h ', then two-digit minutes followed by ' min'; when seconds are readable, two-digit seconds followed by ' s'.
7 h 15 min
